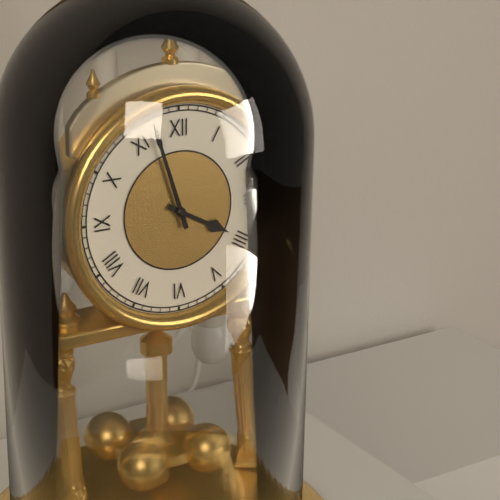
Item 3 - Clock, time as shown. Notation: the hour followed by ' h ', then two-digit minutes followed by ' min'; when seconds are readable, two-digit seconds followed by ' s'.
3 h 57 min
